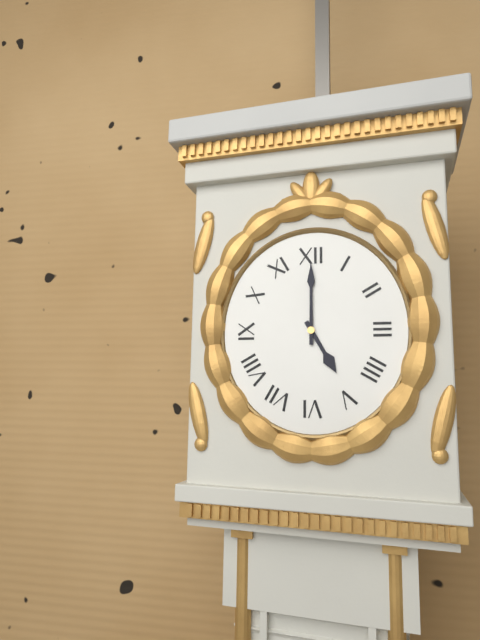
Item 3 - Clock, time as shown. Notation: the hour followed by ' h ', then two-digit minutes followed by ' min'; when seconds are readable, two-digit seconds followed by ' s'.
5 h 00 min
